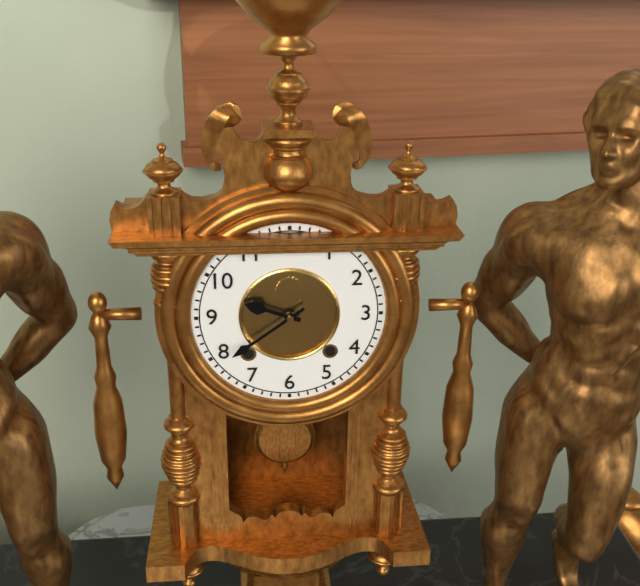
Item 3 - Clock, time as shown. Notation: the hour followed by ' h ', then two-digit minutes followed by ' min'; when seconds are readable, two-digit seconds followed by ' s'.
9 h 39 min
